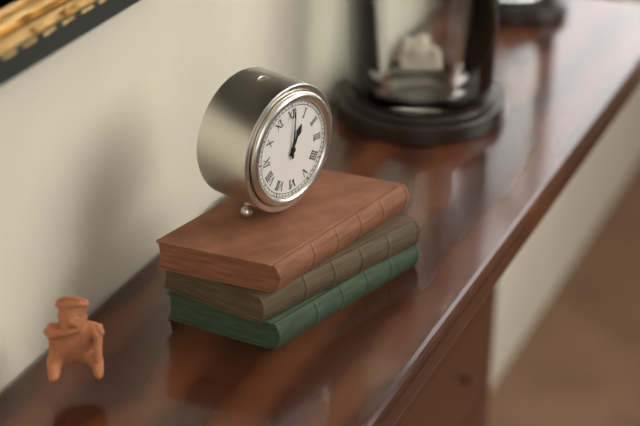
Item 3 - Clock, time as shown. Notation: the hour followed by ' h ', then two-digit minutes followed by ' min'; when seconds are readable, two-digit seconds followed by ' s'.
1 h 01 min
